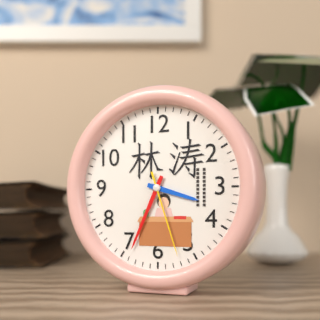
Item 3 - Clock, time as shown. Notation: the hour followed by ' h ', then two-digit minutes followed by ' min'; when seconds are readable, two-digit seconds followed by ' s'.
3 h 34 min 27 s
